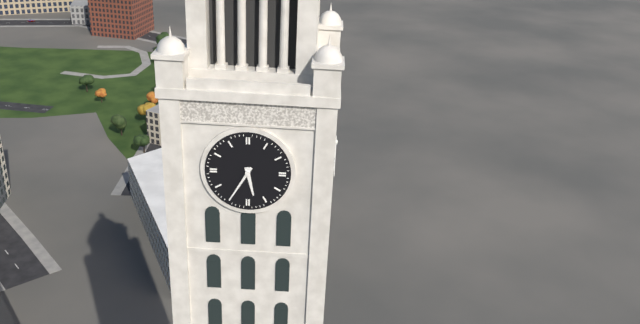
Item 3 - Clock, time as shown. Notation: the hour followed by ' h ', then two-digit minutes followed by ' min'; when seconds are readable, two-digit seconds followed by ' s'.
5 h 35 min
